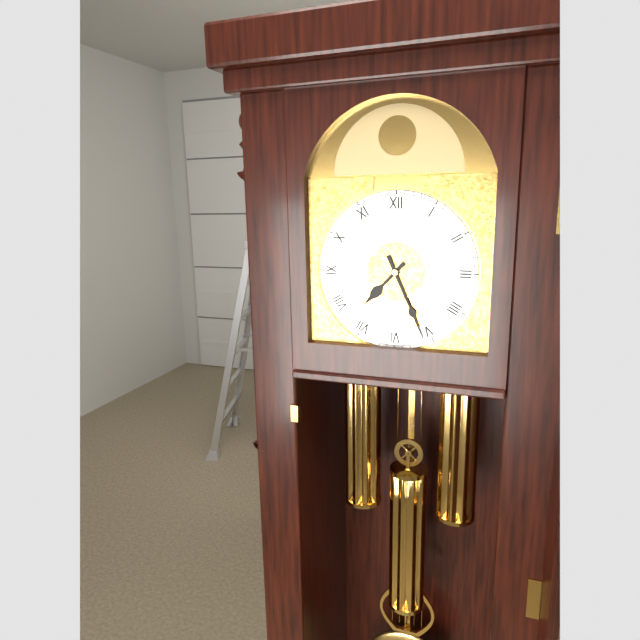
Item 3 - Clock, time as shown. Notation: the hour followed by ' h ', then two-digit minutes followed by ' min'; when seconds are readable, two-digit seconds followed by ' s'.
7 h 26 min
